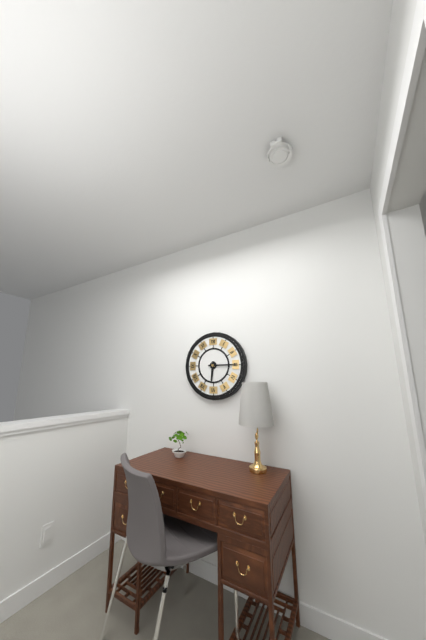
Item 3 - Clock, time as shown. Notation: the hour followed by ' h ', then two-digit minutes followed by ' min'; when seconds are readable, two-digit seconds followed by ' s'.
6 h 15 min
